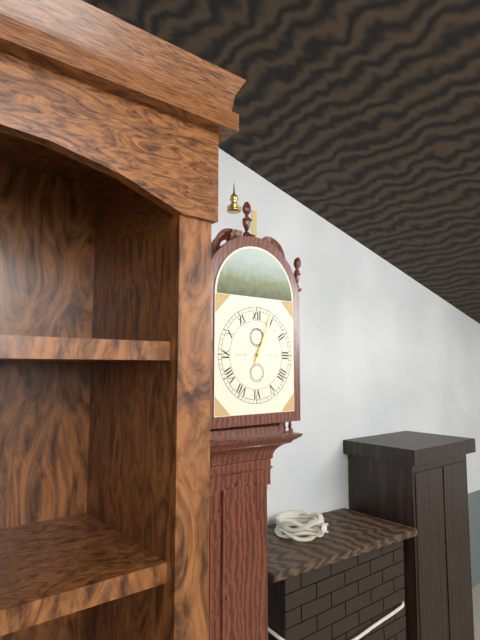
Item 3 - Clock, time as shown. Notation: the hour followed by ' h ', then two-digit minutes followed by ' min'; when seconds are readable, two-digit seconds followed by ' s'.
1 h 04 min
